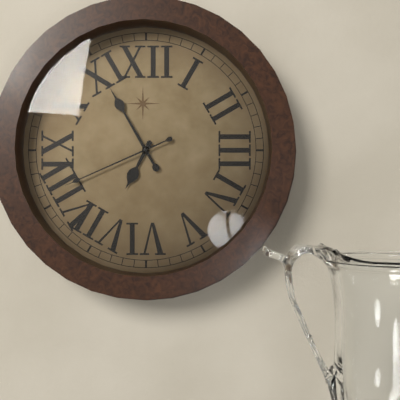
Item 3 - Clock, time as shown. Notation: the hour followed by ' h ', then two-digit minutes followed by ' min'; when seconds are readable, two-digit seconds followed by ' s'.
6 h 55 min 41 s
